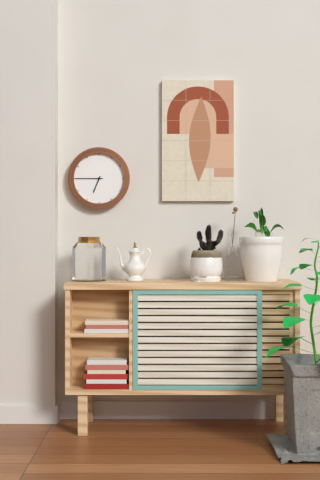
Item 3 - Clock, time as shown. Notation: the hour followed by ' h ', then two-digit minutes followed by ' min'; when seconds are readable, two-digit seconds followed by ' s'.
6 h 45 min
